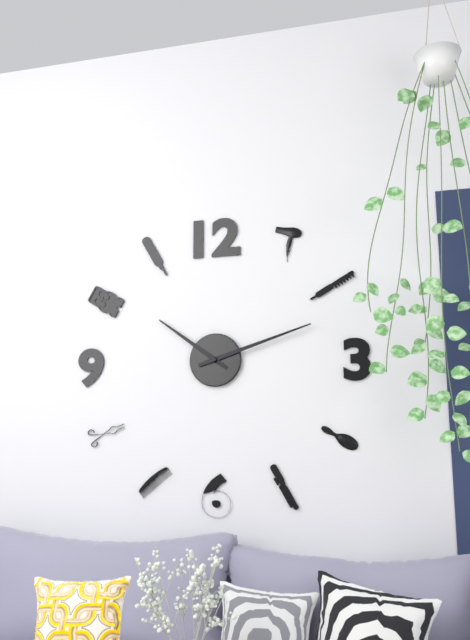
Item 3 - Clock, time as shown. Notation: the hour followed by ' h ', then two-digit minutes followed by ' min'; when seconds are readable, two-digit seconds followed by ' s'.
10 h 12 min
